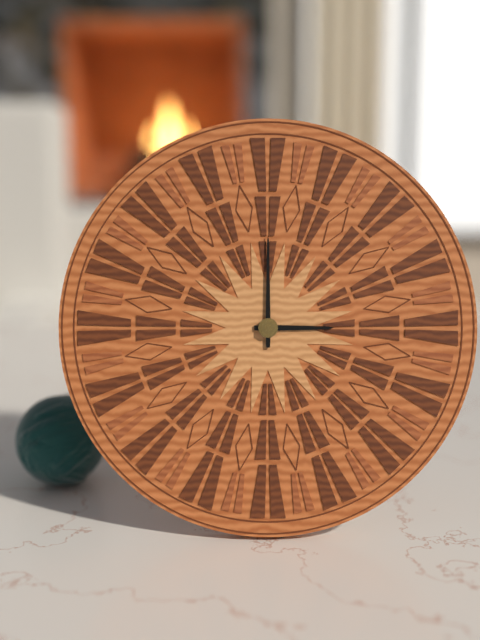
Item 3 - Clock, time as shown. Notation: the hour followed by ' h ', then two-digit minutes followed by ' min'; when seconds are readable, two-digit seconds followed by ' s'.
3 h 00 min
